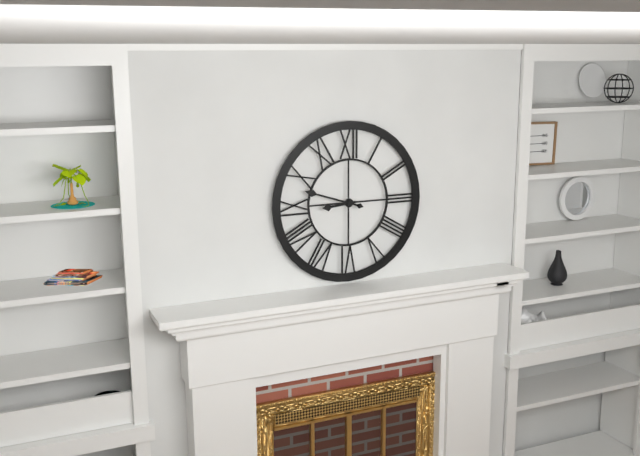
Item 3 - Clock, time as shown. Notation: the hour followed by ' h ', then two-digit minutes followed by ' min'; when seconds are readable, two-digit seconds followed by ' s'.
8 h 48 min
